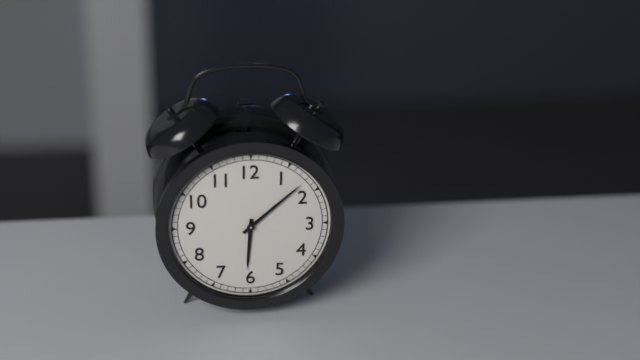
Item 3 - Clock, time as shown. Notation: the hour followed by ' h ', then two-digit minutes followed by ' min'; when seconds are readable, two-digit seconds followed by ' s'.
6 h 08 min
